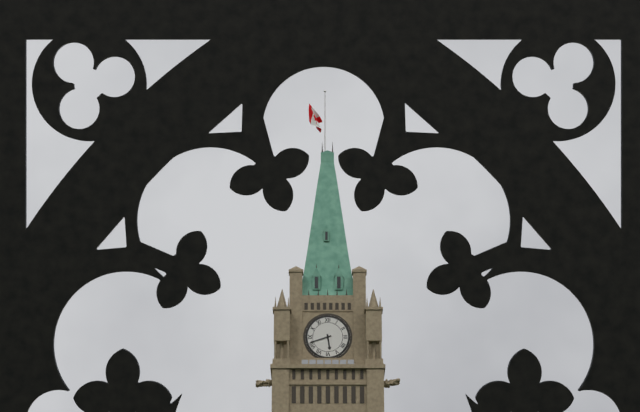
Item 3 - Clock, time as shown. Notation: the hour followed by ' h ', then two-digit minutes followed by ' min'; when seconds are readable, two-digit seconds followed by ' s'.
5 h 42 min
